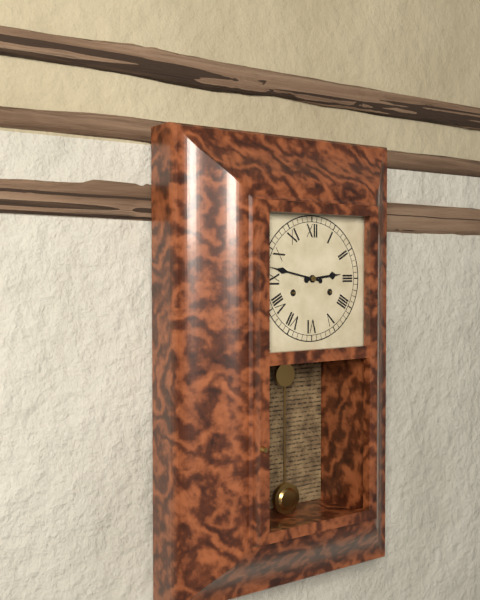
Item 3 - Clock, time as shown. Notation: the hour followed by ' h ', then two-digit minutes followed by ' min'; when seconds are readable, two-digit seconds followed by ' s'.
2 h 47 min
